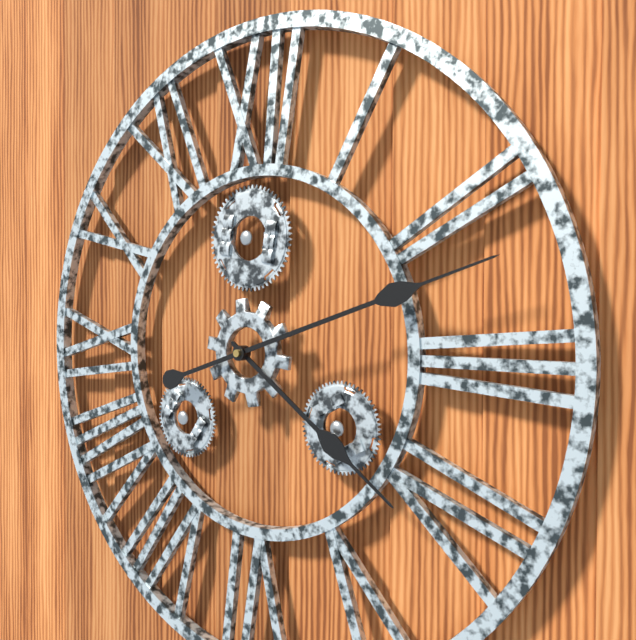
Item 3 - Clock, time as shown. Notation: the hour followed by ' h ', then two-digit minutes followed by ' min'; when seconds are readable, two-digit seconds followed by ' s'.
4 h 12 min
